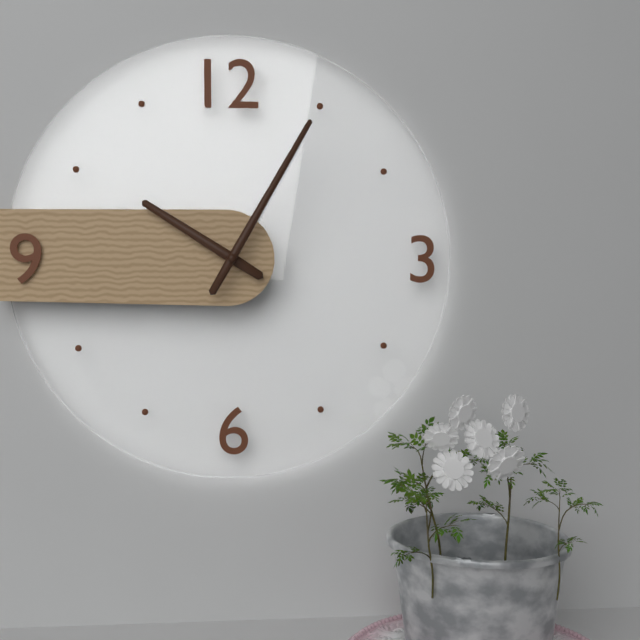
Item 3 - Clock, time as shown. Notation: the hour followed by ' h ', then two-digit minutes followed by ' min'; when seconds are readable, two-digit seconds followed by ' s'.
10 h 05 min
